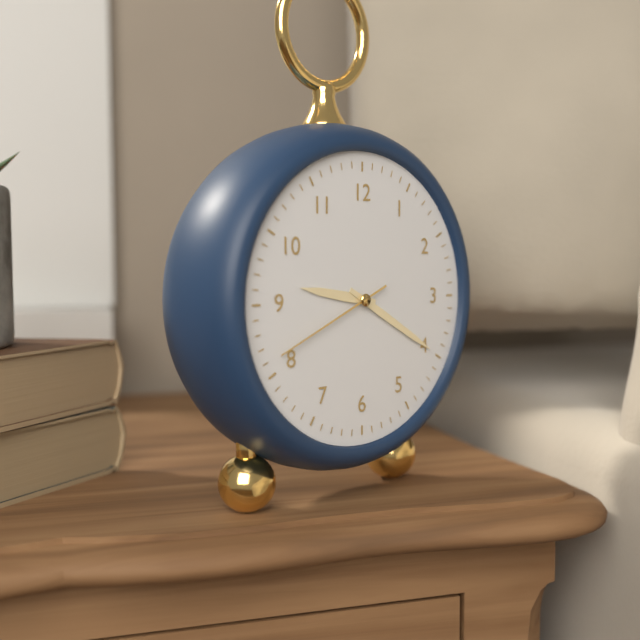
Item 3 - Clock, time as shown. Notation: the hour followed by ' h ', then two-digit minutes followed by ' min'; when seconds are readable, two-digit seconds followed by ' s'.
9 h 20 min 41 s
